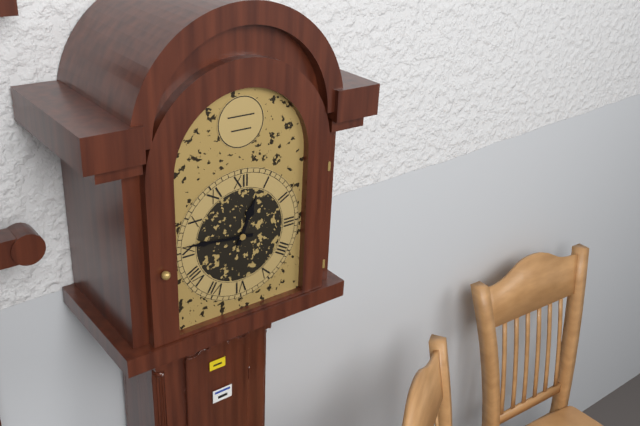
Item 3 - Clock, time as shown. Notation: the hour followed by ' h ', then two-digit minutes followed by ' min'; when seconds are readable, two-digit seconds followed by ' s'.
12 h 46 min
